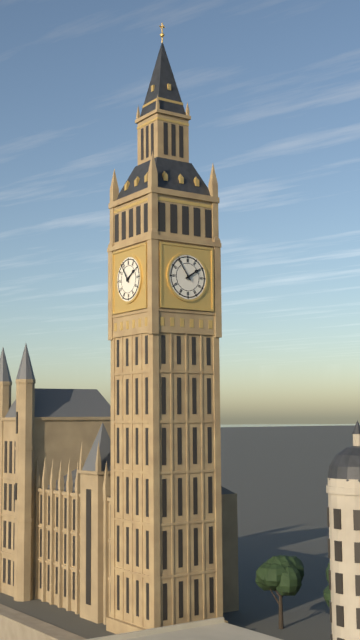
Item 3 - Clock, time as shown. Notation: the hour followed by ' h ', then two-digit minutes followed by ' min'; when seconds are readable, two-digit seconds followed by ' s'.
1 h 54 min
